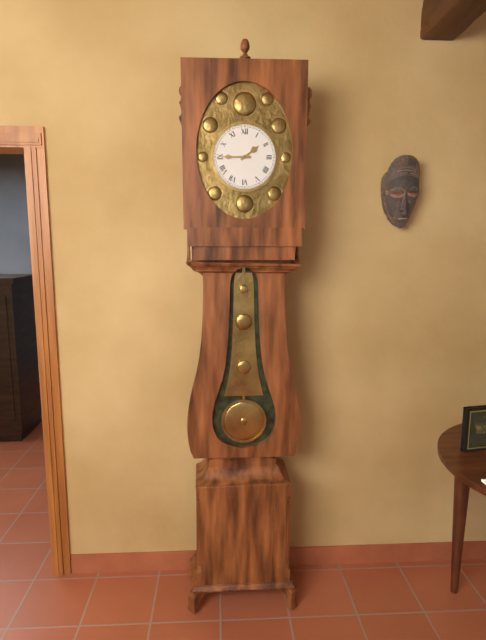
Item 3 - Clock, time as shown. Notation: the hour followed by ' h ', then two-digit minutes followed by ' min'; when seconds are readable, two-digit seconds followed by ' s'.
1 h 45 min
